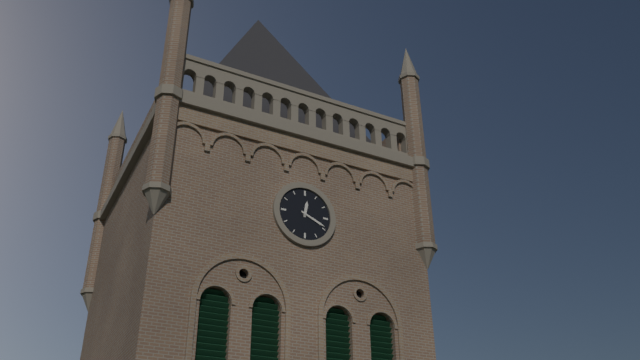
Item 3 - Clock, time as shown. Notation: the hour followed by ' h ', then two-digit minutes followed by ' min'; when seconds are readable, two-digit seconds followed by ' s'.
12 h 19 min
